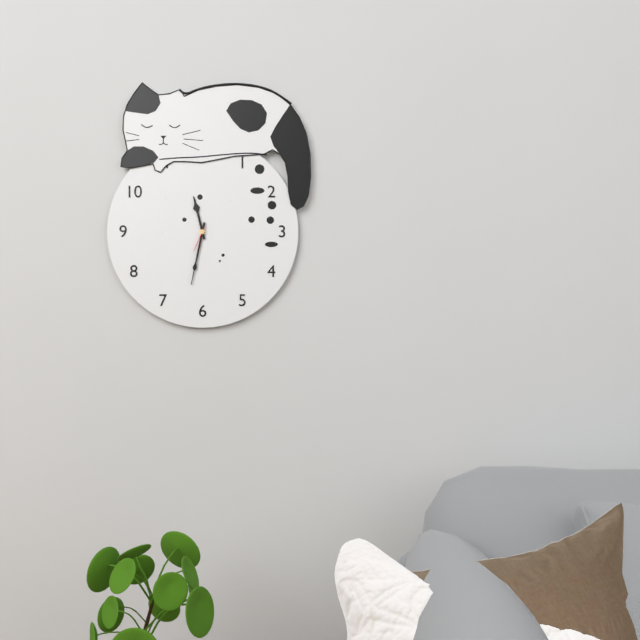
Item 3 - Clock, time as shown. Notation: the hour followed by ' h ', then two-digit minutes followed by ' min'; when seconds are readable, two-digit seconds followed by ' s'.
11 h 32 min
